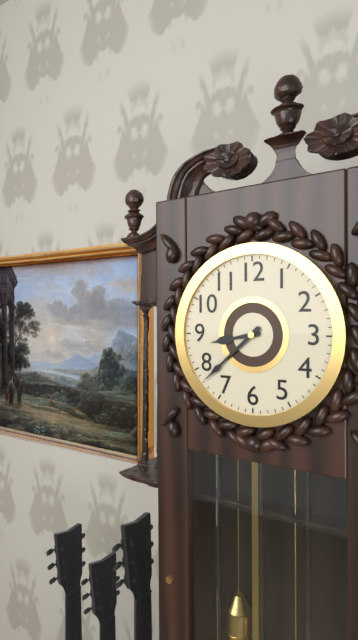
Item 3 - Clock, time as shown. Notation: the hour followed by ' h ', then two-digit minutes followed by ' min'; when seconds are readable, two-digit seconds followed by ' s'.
8 h 38 min
